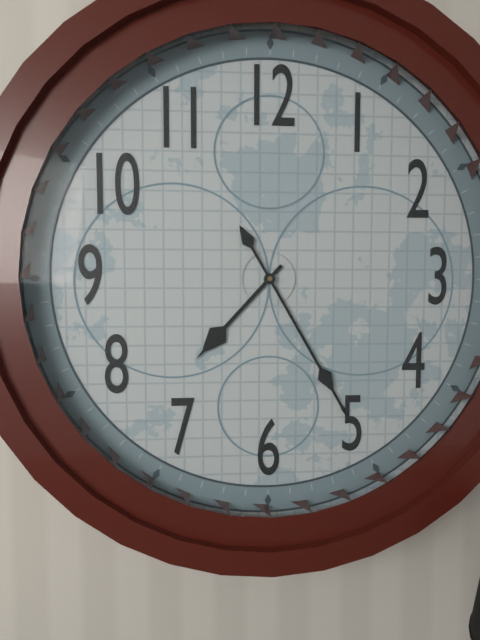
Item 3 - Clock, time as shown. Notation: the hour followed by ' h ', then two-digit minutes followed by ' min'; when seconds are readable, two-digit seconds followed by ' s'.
7 h 25 min
